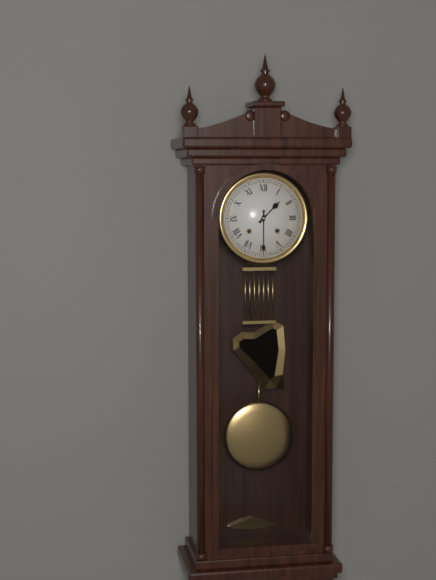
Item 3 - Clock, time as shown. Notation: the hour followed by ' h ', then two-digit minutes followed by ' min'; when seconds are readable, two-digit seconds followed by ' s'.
1 h 30 min
